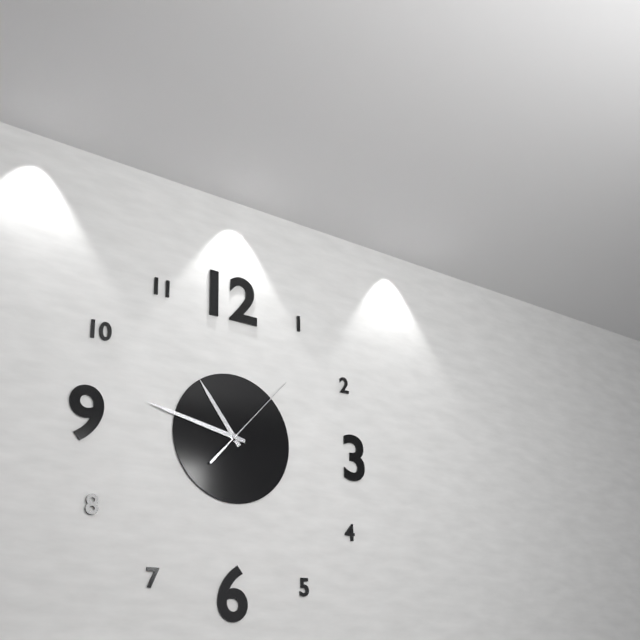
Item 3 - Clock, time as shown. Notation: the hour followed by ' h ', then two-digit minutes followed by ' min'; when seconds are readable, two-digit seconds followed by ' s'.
10 h 47 min 07 s
